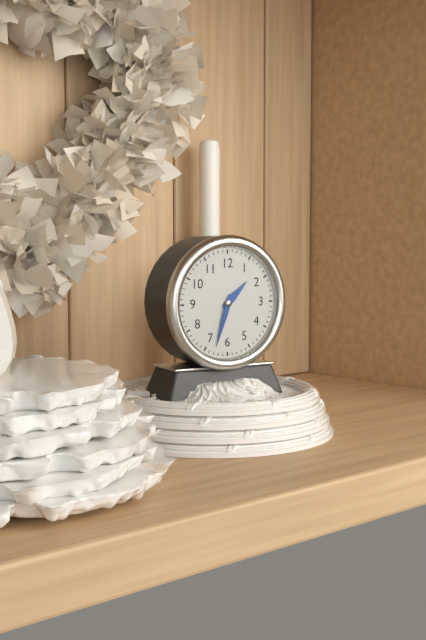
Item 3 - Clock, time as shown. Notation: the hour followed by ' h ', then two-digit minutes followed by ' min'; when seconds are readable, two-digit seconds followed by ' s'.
1 h 33 min
